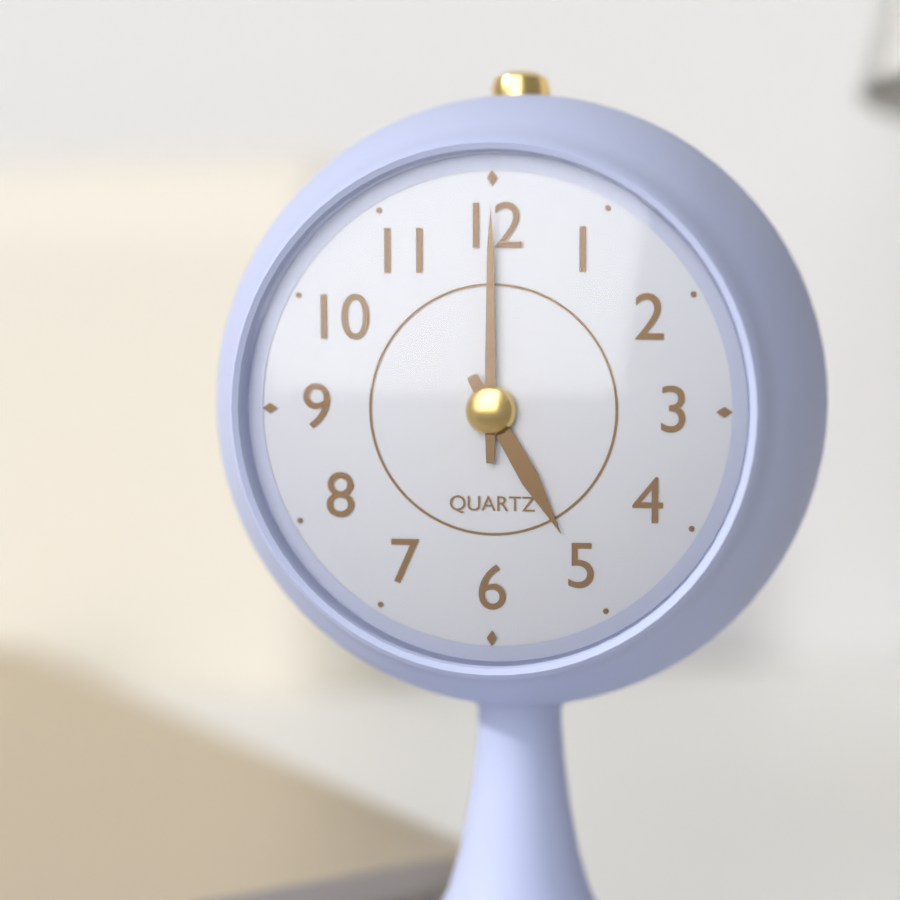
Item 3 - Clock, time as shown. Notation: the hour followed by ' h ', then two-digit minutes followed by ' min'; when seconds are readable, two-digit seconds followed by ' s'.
5 h 00 min
